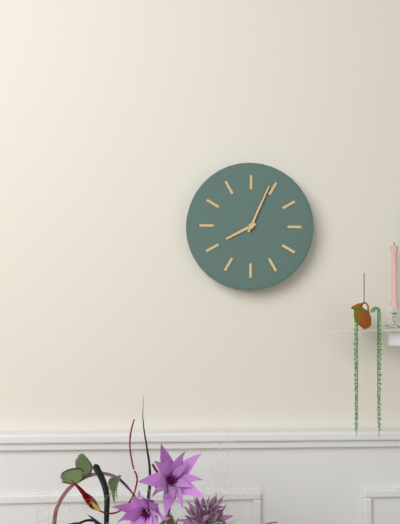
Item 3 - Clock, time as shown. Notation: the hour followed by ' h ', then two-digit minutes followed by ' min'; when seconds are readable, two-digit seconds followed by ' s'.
8 h 04 min
